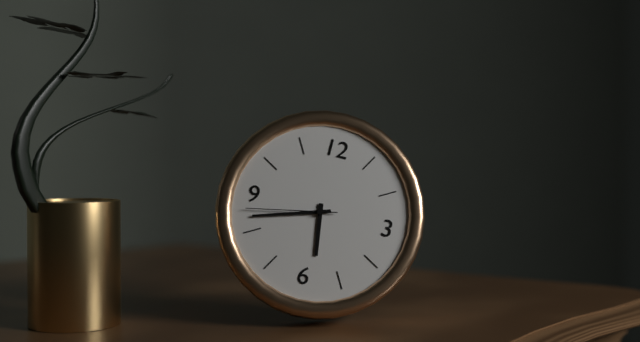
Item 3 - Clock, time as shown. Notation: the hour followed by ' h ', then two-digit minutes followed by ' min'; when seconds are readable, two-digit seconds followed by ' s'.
5 h 42 min 43 s
